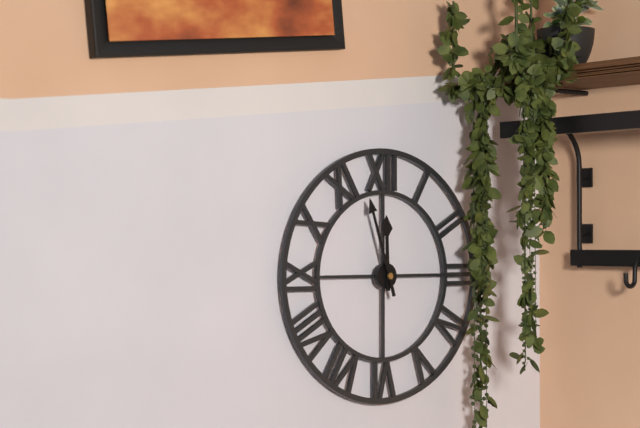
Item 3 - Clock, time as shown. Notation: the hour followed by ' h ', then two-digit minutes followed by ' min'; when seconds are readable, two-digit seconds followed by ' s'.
11 h 57 min
